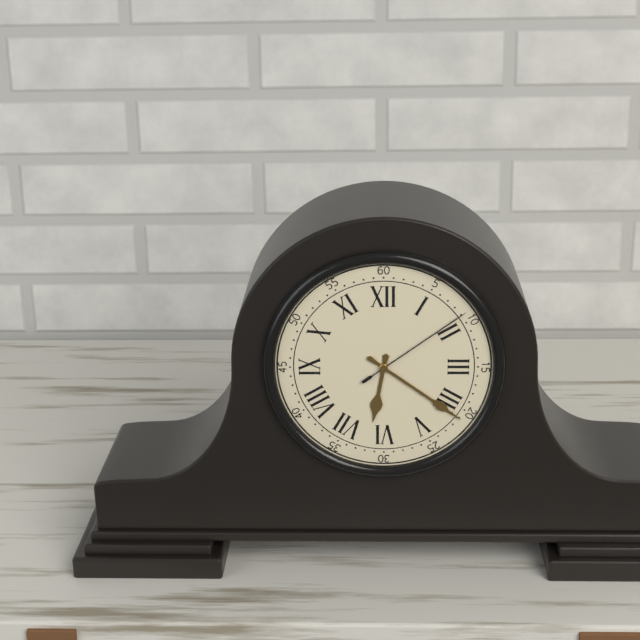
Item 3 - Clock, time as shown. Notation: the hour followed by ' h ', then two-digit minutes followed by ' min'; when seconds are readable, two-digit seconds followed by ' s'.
6 h 21 min 09 s
